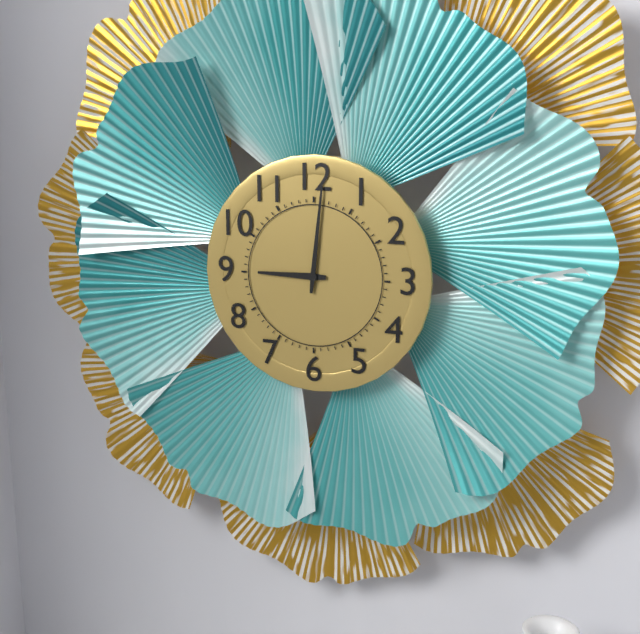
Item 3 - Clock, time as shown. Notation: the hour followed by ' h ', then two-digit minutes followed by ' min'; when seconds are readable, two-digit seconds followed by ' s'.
9 h 01 min
